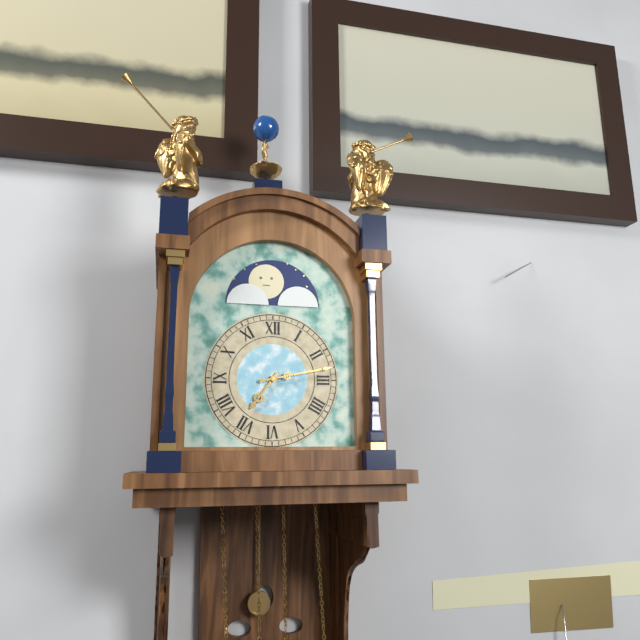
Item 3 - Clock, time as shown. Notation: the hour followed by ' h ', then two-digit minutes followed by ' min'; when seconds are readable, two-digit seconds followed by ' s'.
7 h 13 min
